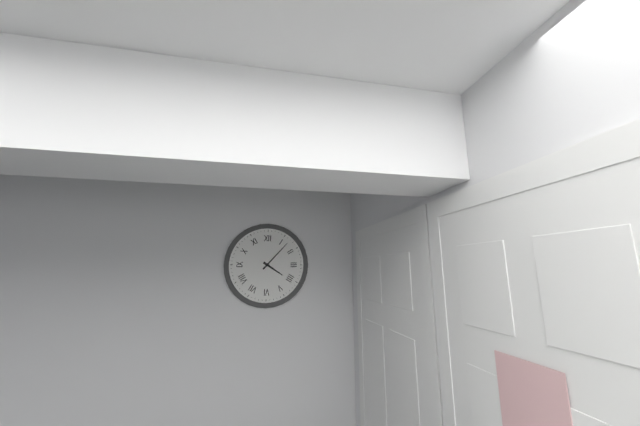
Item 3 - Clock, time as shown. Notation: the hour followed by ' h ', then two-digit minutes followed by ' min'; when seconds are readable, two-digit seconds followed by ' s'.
4 h 07 min
